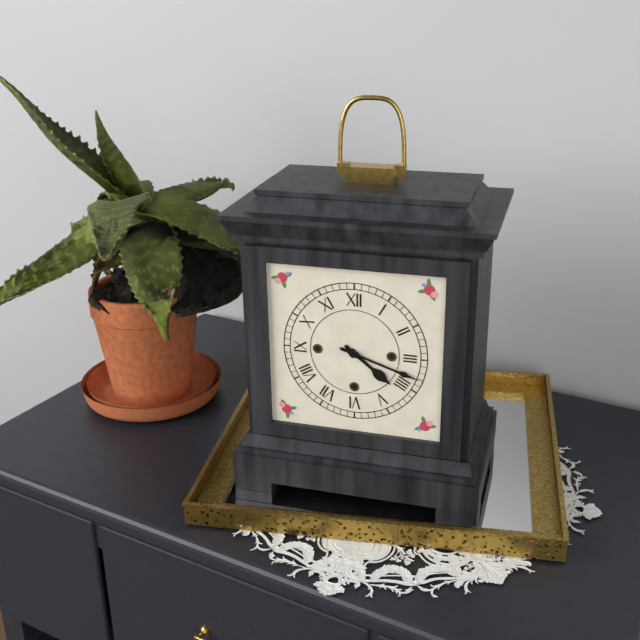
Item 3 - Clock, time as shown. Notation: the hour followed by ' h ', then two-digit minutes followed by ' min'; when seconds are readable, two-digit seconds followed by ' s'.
4 h 18 min
